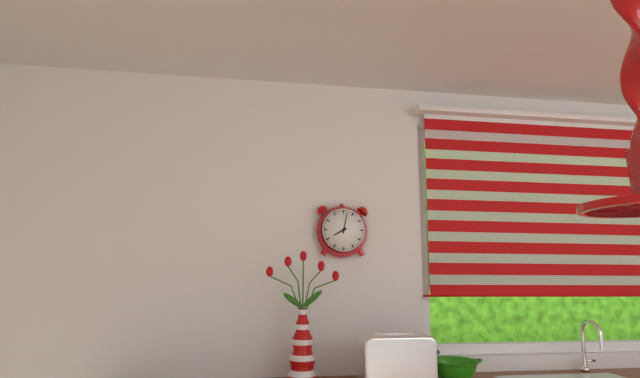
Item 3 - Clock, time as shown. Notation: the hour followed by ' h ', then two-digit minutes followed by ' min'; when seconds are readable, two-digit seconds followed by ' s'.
8 h 02 min
